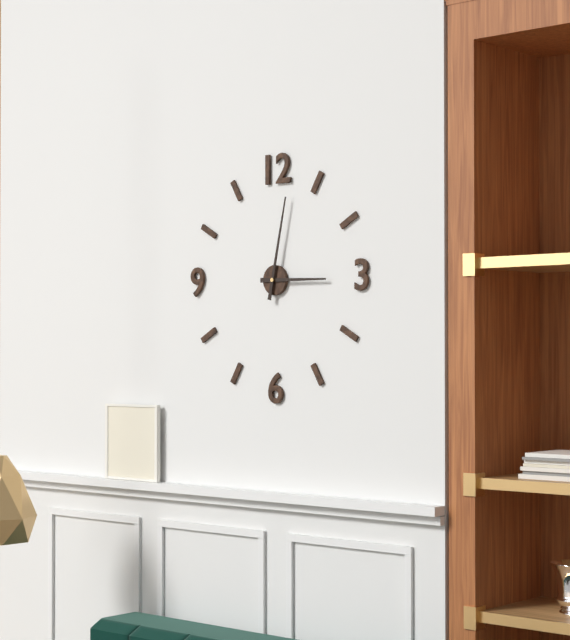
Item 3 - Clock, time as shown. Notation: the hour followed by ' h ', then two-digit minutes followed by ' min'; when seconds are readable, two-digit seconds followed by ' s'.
3 h 02 min
